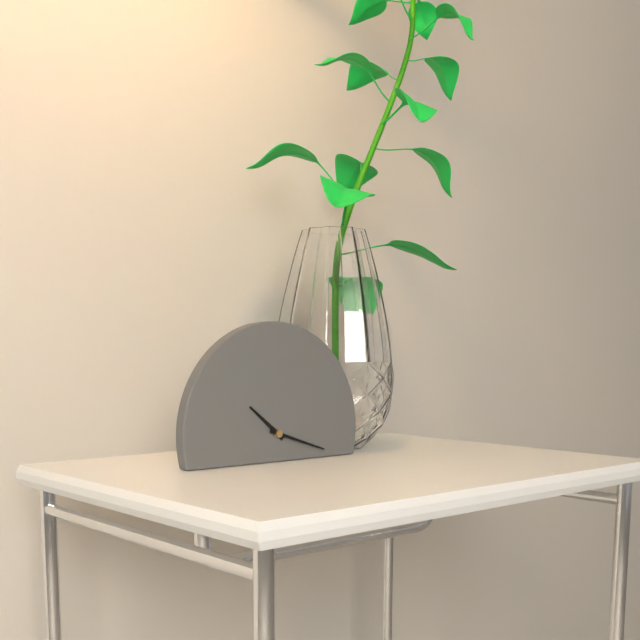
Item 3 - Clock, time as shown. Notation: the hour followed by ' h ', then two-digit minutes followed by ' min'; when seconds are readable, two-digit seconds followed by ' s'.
10 h 18 min
